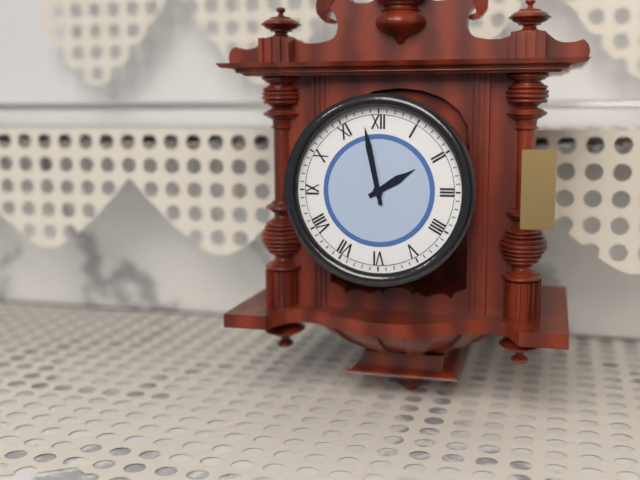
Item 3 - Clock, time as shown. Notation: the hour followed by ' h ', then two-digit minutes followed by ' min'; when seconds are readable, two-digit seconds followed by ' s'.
1 h 58 min
